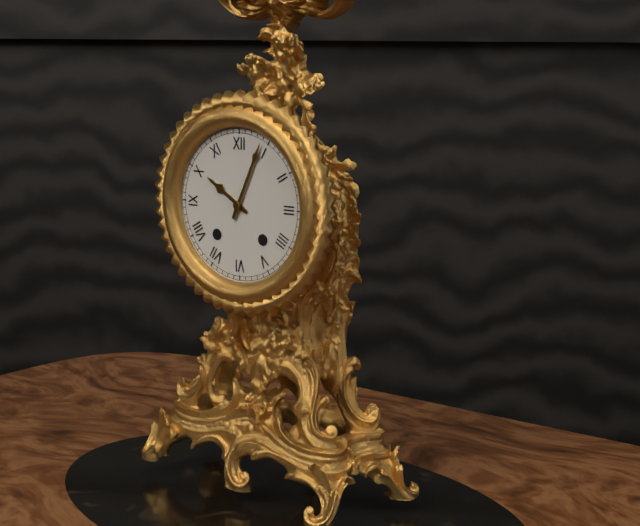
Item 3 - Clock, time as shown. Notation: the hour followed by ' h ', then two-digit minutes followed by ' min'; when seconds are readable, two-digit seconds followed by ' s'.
10 h 04 min
